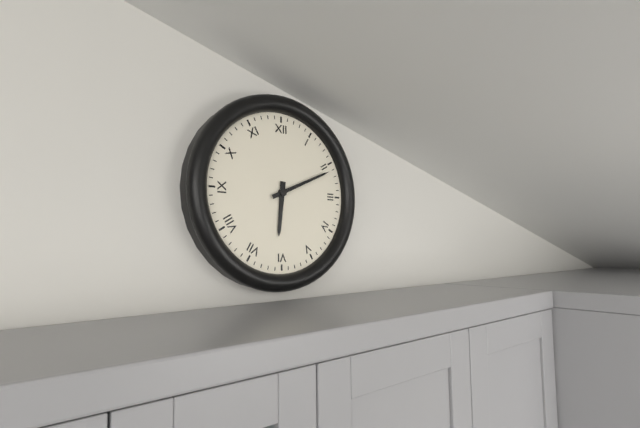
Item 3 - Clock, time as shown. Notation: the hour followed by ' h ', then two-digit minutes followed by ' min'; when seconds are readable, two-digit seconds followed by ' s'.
6 h 11 min
